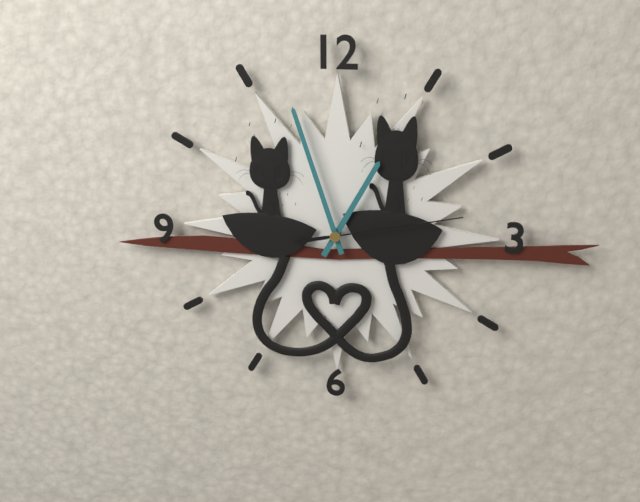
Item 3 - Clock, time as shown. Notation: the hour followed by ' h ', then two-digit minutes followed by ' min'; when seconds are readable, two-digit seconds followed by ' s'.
12 h 57 min 13 s
